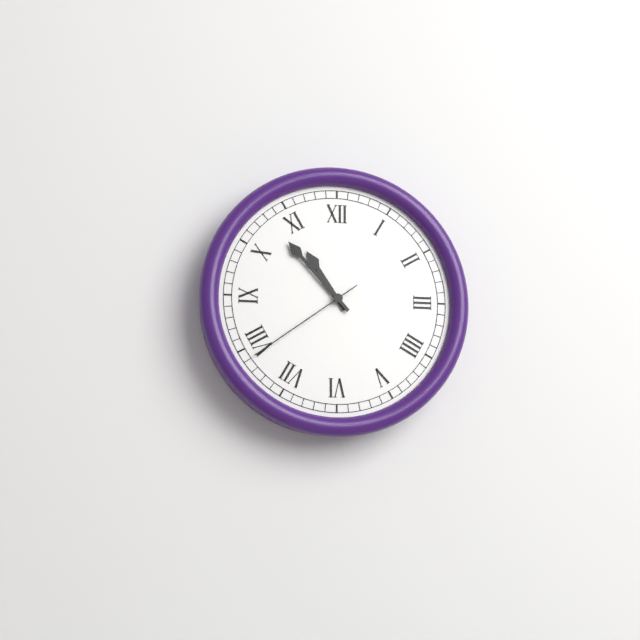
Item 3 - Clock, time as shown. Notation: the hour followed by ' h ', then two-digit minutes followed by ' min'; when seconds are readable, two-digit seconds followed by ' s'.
10 h 53 min 39 s
